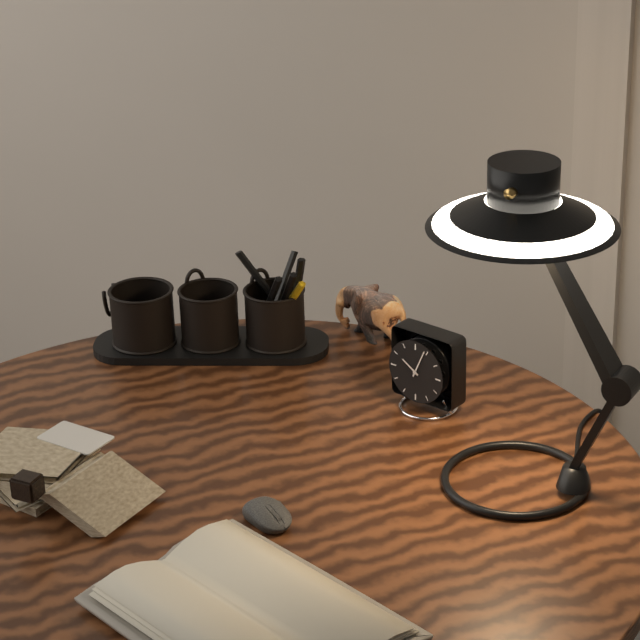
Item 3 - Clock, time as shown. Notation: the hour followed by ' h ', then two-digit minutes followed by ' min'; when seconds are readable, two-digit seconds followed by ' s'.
10 h 04 min
